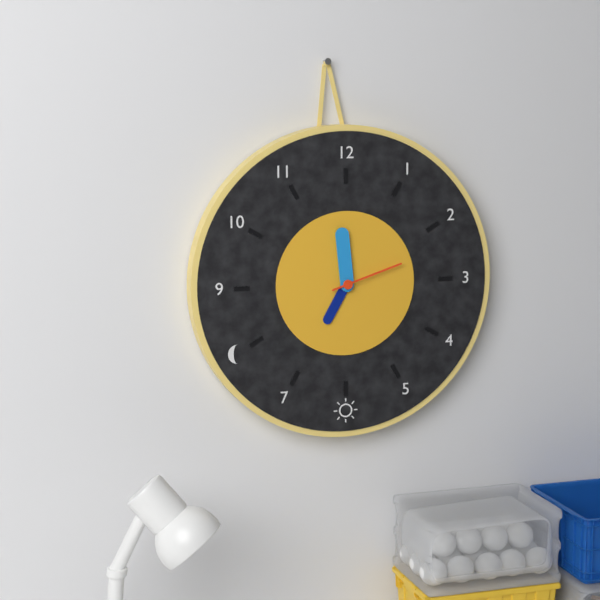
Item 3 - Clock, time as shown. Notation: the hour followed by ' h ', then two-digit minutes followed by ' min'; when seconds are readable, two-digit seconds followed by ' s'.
6 h 59 min 12 s
